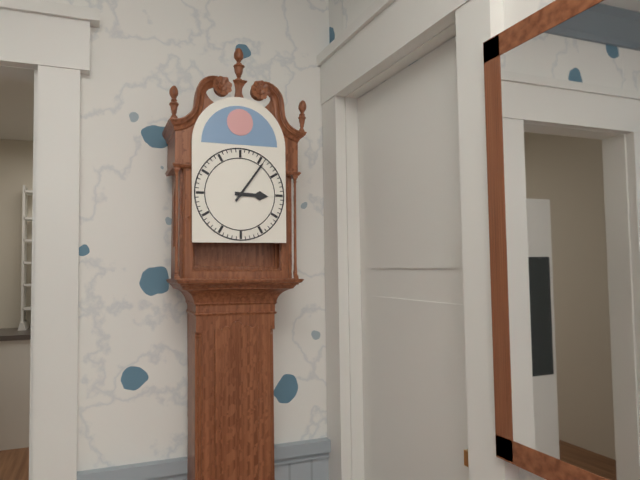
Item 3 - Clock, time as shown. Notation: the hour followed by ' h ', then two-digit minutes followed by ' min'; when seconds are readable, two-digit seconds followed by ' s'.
3 h 06 min
